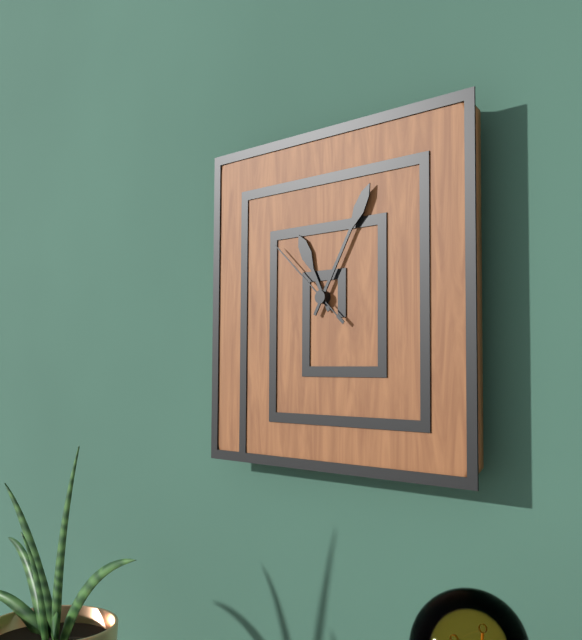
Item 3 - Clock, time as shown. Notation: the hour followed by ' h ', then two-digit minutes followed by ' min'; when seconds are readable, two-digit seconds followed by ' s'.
11 h 05 min 52 s
